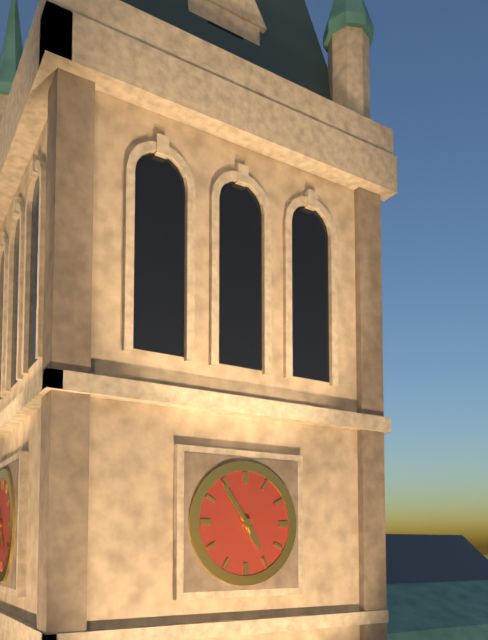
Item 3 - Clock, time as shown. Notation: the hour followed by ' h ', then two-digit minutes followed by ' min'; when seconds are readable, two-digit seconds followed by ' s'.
4 h 54 min
